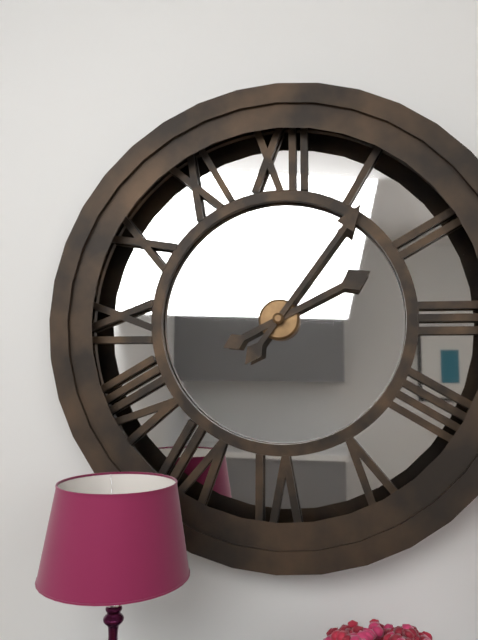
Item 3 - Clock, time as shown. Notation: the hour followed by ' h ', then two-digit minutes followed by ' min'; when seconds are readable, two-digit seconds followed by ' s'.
2 h 06 min
